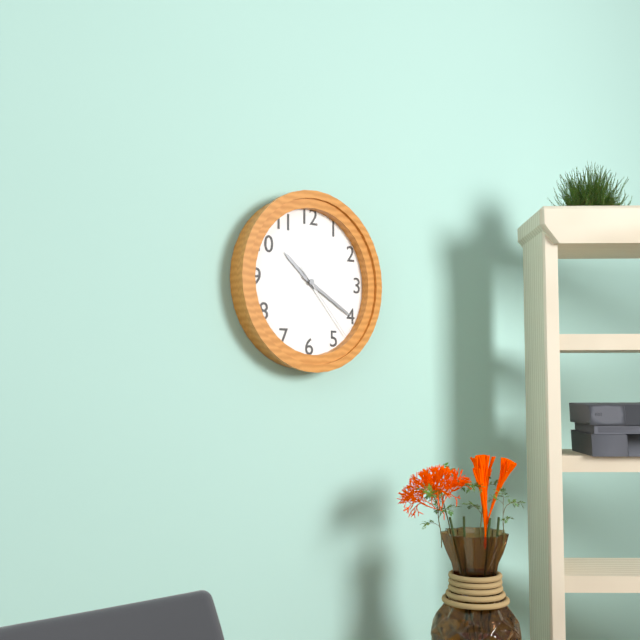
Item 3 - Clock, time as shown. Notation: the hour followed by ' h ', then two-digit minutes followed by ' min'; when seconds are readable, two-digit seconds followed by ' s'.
10 h 20 min 23 s
